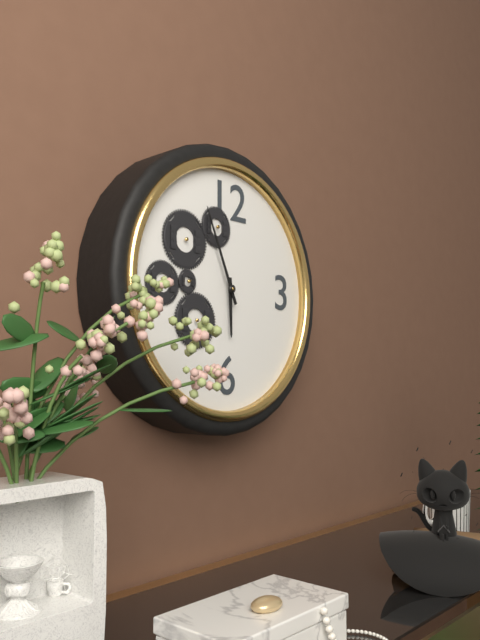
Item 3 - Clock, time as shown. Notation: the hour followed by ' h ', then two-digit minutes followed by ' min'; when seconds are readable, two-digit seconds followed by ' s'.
5 h 56 min
